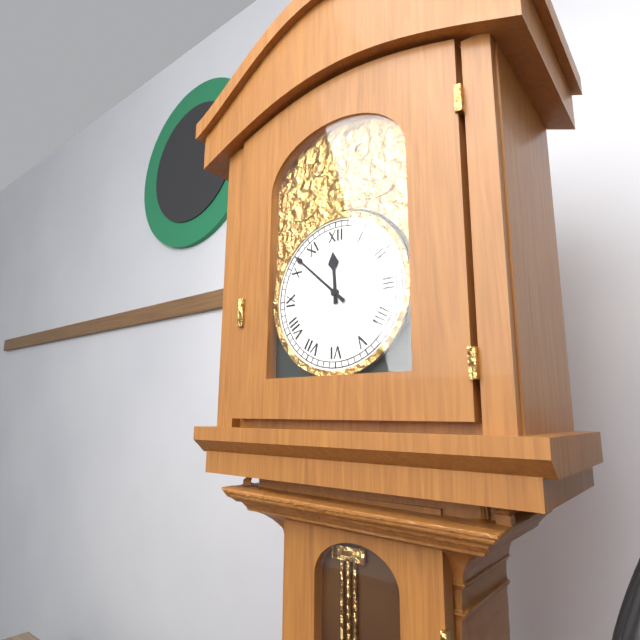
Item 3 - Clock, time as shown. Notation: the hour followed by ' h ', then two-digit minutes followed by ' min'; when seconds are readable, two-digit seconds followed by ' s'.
11 h 52 min
